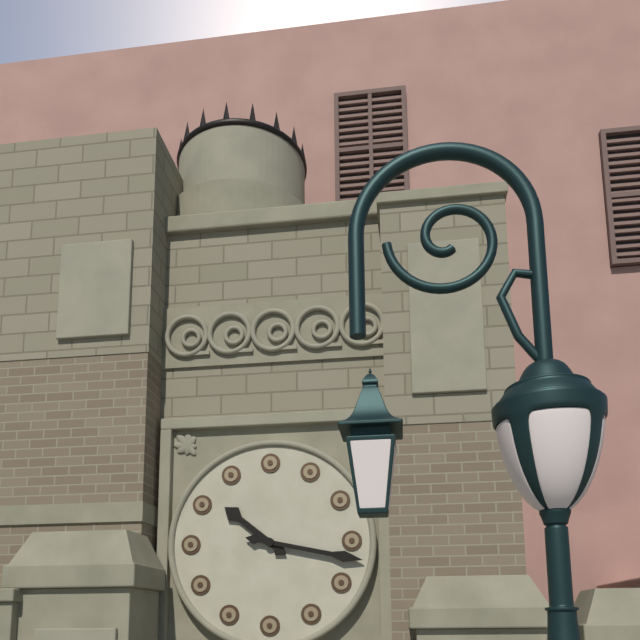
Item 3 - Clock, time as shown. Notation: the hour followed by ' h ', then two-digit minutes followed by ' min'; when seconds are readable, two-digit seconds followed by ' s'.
10 h 17 min
